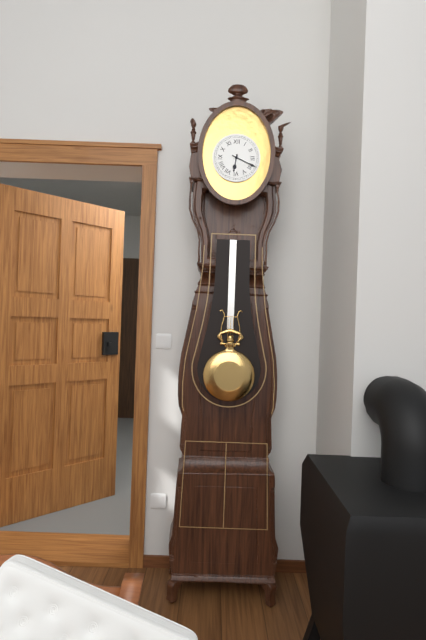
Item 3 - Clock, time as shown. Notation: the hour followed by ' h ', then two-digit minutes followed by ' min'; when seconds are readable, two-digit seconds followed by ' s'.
6 h 19 min
